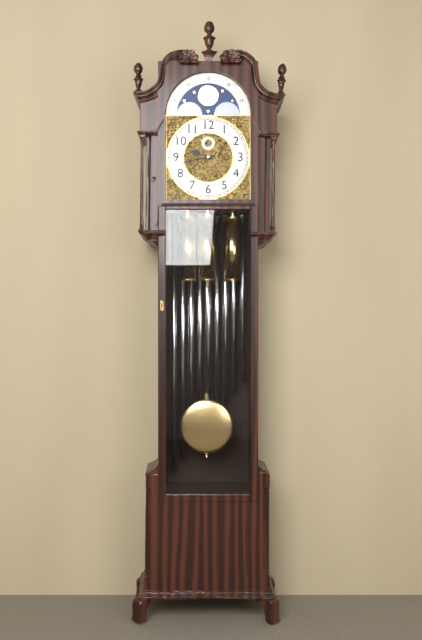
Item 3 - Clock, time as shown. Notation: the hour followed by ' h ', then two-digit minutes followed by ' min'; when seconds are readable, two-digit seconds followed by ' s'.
9 h 43 min
